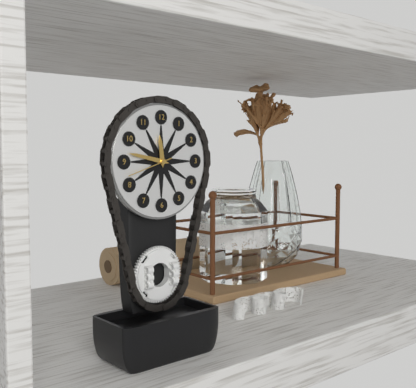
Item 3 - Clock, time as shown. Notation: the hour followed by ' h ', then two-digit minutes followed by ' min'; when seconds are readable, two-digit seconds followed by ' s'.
11 h 47 min
